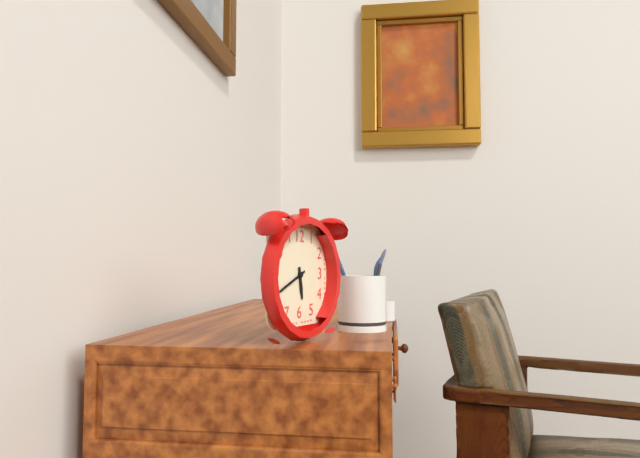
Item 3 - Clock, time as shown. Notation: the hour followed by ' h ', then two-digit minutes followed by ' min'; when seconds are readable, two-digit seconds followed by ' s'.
5 h 41 min
